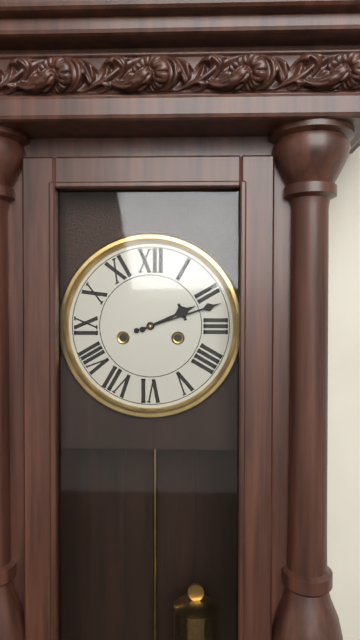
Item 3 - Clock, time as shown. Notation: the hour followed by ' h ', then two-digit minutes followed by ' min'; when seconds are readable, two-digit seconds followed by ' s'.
2 h 12 min
